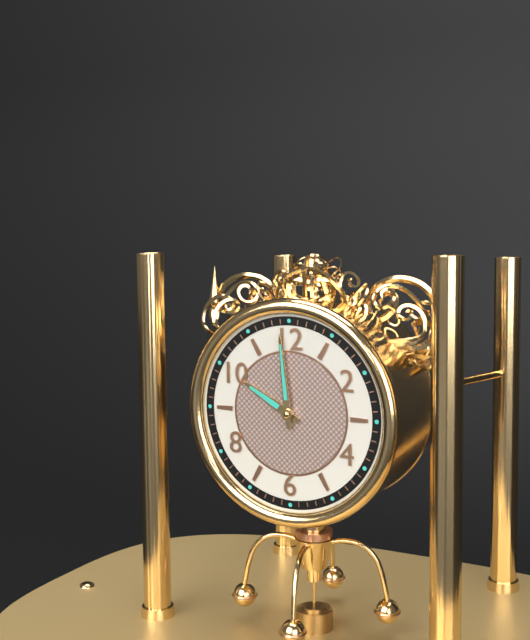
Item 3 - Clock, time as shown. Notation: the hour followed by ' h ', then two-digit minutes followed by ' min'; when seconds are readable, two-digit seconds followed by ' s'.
9 h 59 min
